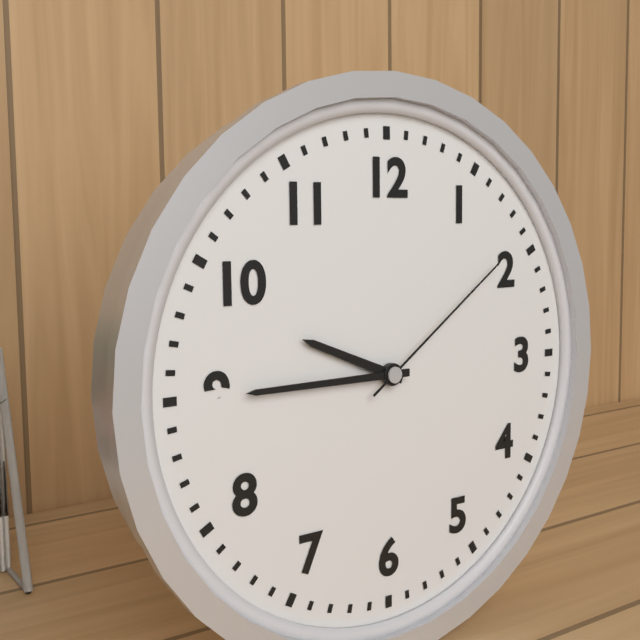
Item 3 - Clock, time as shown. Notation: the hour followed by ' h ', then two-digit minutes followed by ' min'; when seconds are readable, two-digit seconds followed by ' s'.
9 h 45 min 09 s
